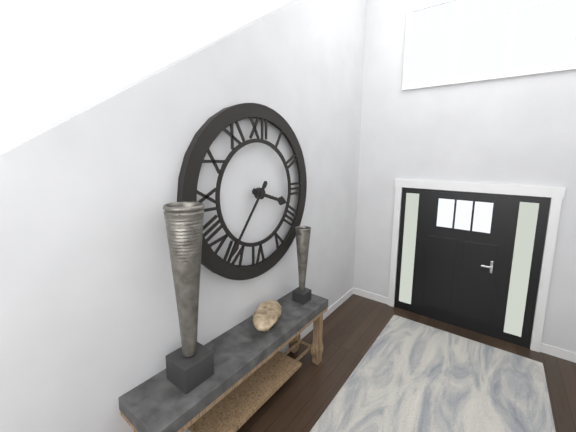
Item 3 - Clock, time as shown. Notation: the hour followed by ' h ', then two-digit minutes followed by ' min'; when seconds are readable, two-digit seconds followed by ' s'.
3 h 36 min
